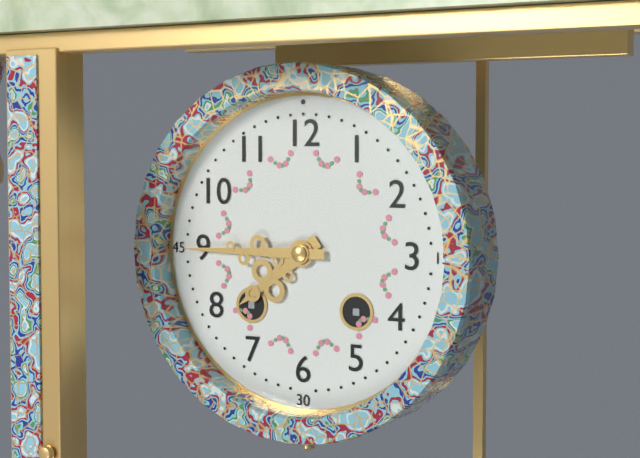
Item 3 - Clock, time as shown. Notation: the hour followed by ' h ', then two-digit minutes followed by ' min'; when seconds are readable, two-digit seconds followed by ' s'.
7 h 45 min
